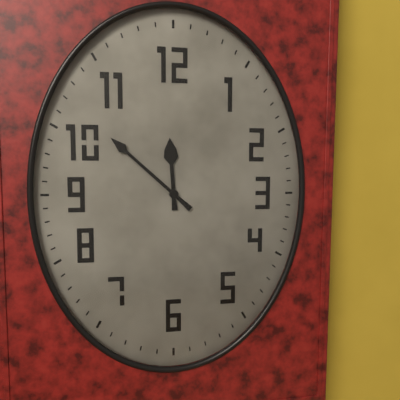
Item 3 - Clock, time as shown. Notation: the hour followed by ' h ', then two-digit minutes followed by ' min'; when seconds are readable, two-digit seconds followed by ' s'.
11 h 52 min
